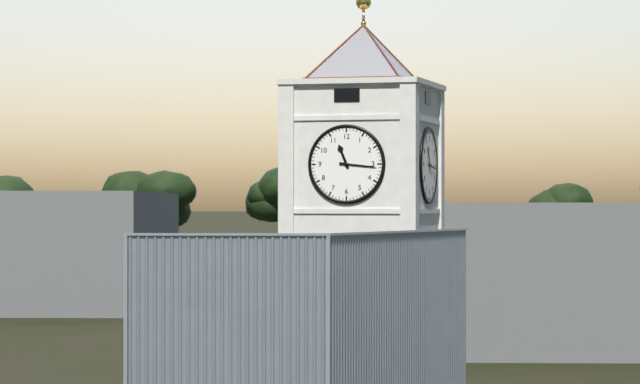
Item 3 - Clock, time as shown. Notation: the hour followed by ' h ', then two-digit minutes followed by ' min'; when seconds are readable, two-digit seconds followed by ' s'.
11 h 16 min
